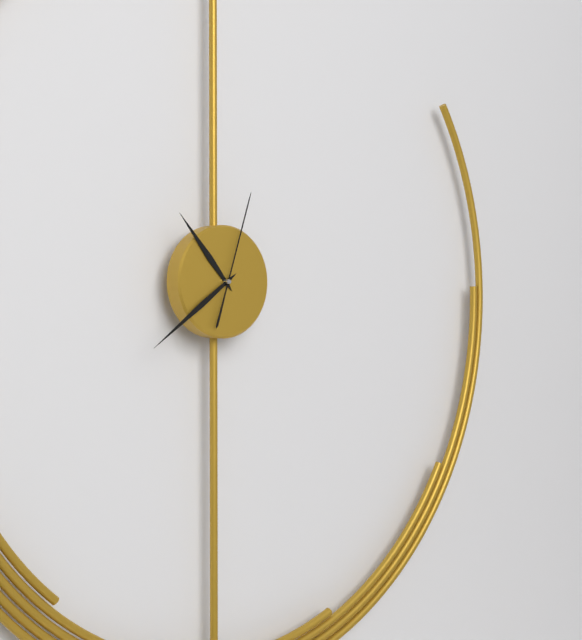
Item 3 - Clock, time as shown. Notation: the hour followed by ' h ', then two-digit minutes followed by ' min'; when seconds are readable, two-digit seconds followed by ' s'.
10 h 39 min 03 s
